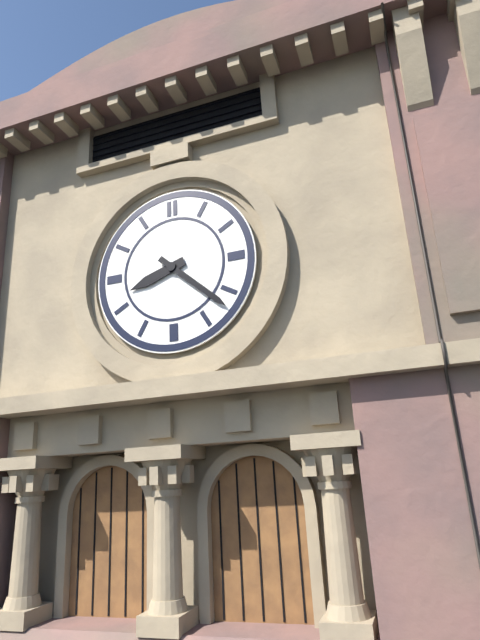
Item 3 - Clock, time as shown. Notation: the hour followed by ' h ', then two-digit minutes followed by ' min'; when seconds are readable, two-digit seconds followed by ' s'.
8 h 22 min
